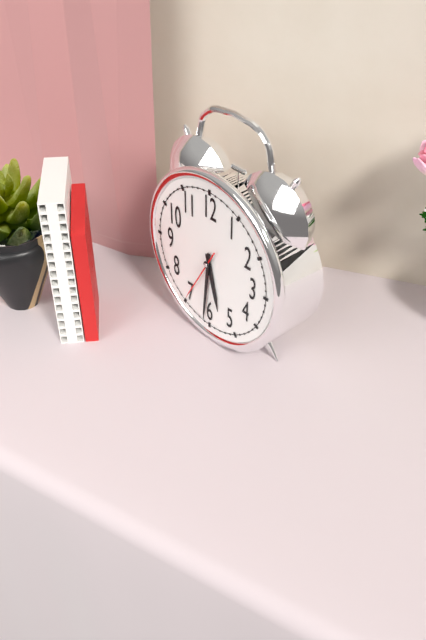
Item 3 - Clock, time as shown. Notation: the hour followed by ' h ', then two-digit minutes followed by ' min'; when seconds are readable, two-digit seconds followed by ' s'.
5 h 31 min 35 s
